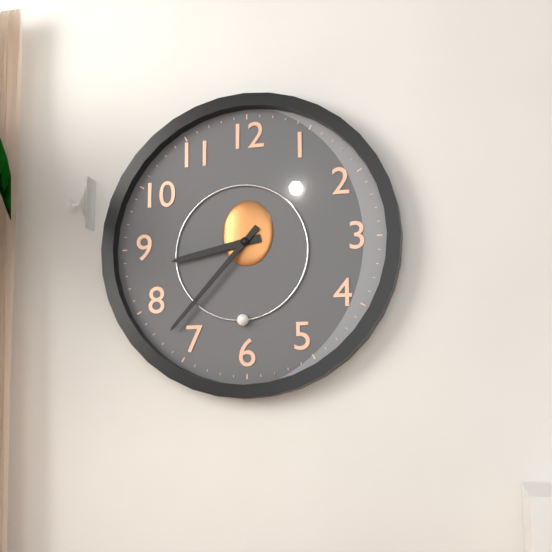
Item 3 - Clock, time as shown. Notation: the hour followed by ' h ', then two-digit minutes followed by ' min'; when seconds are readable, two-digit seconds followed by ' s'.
8 h 37 min
